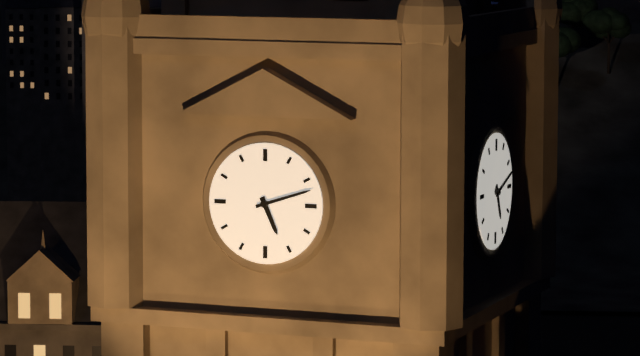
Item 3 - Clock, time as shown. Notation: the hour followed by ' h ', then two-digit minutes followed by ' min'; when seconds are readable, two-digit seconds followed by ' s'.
5 h 12 min
